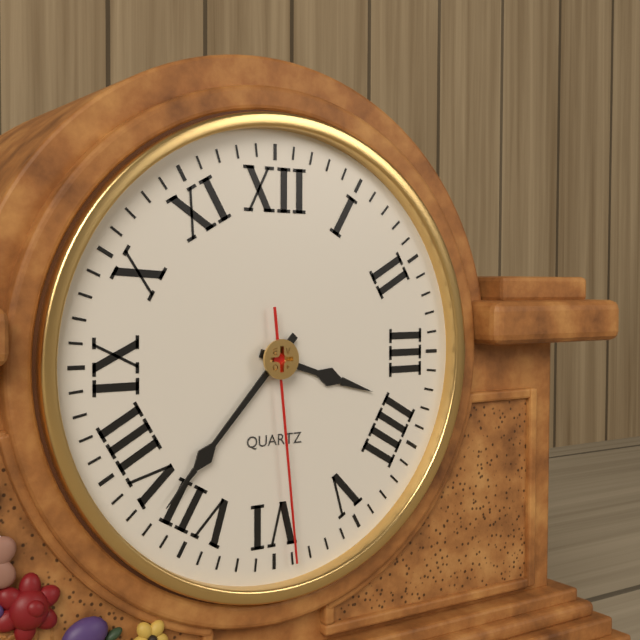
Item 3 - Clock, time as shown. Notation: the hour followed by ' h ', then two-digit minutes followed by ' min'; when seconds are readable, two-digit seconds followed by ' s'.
3 h 37 min 29 s
